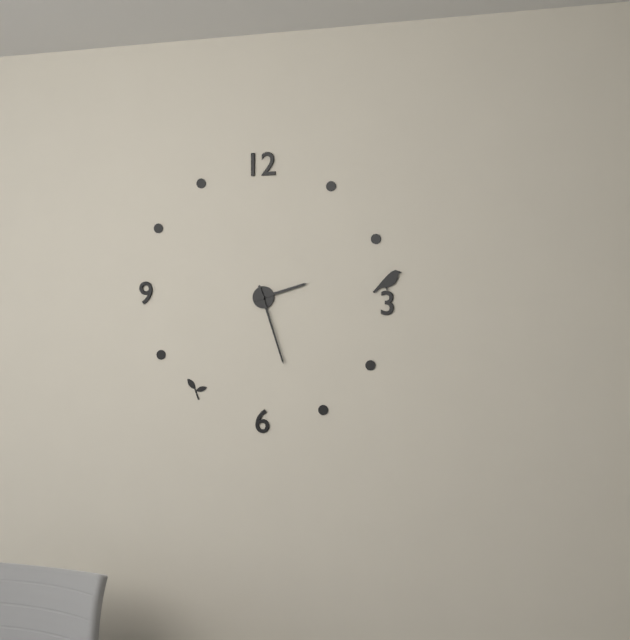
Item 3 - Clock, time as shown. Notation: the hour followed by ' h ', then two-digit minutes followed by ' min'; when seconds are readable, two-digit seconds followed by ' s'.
2 h 27 min
